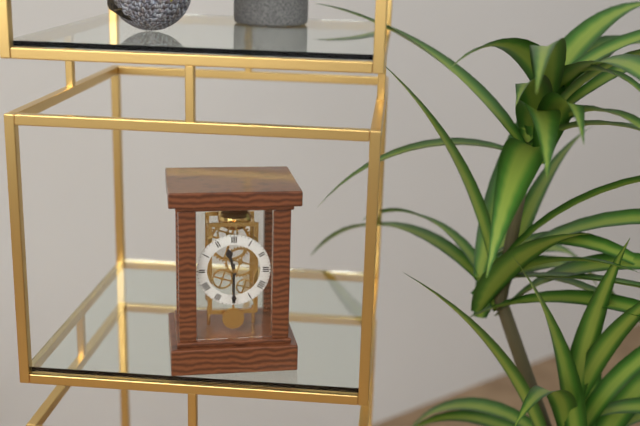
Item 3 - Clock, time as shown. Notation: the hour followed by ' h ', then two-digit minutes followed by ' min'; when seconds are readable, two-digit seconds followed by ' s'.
11 h 30 min
